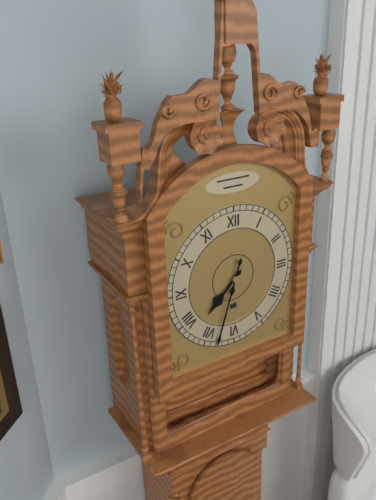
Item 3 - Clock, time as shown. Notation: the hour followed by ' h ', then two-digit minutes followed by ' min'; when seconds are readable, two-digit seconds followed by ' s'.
7 h 33 min
